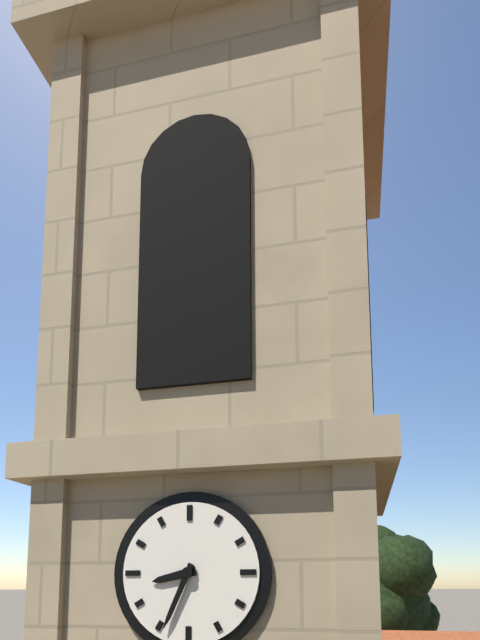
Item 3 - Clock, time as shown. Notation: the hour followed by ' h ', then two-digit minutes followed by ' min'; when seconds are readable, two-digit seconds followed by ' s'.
8 h 34 min
